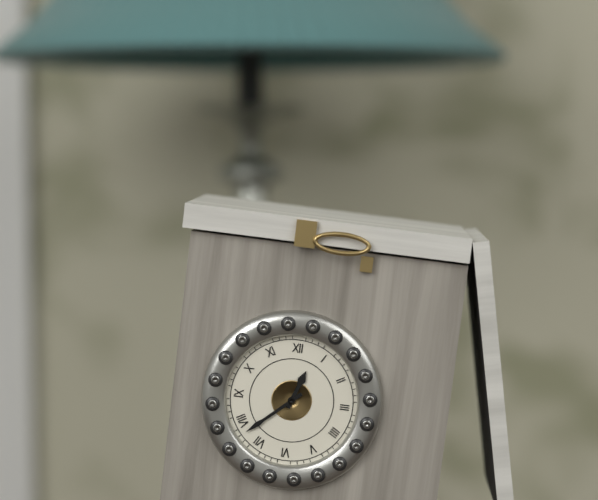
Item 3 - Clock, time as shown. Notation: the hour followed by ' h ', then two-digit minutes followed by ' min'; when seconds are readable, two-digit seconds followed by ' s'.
12 h 38 min
